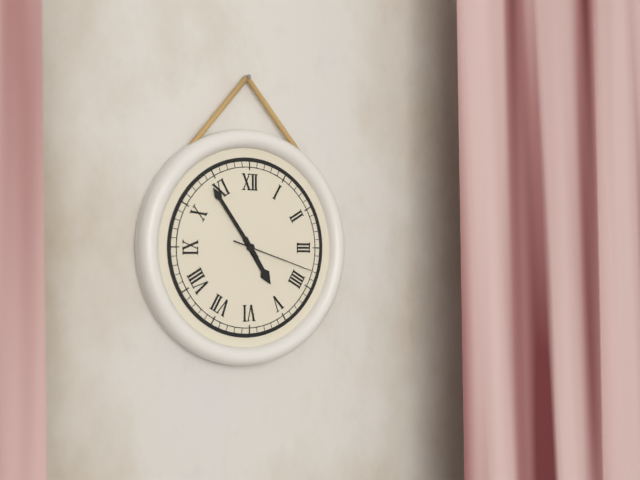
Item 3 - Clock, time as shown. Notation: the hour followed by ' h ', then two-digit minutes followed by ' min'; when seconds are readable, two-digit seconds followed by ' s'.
4 h 54 min 18 s
